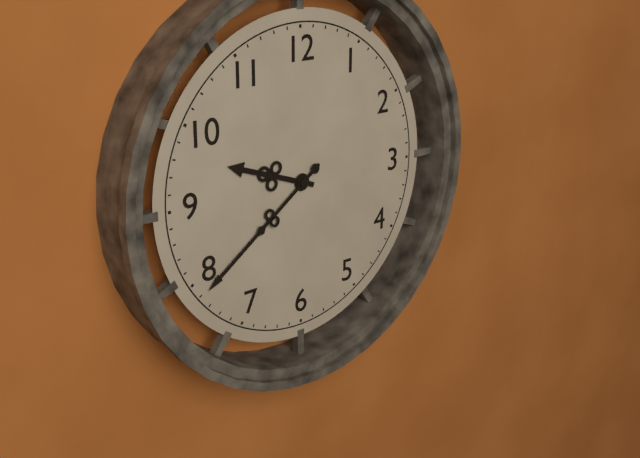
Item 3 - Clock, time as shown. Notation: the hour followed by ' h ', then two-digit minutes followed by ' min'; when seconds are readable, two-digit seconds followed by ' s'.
9 h 39 min
